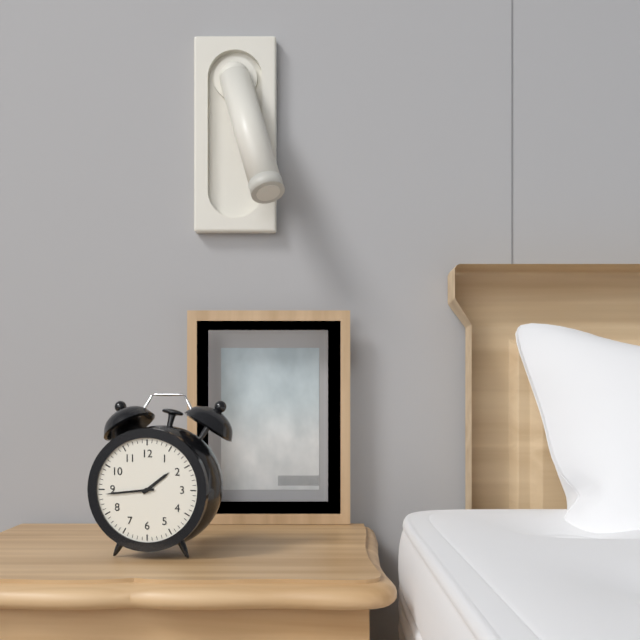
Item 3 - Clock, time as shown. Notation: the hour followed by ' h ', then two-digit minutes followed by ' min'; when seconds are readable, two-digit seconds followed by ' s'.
1 h 44 min
